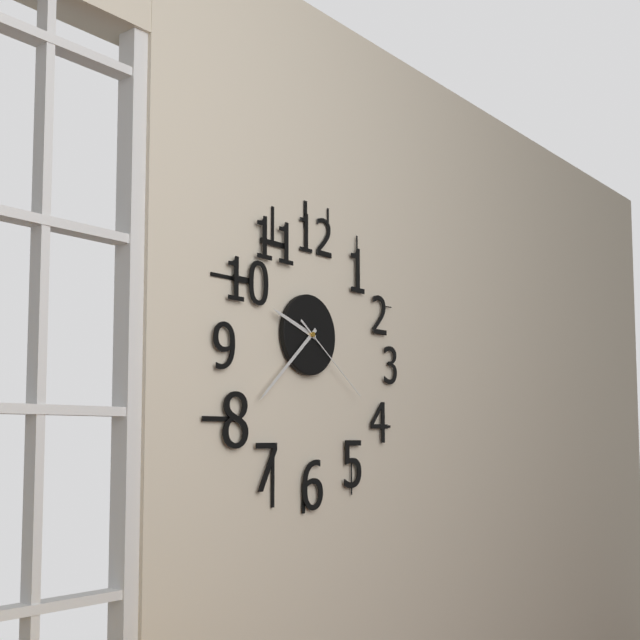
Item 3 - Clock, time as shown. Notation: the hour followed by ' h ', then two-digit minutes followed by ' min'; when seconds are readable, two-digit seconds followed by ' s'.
9 h 38 min 21 s
